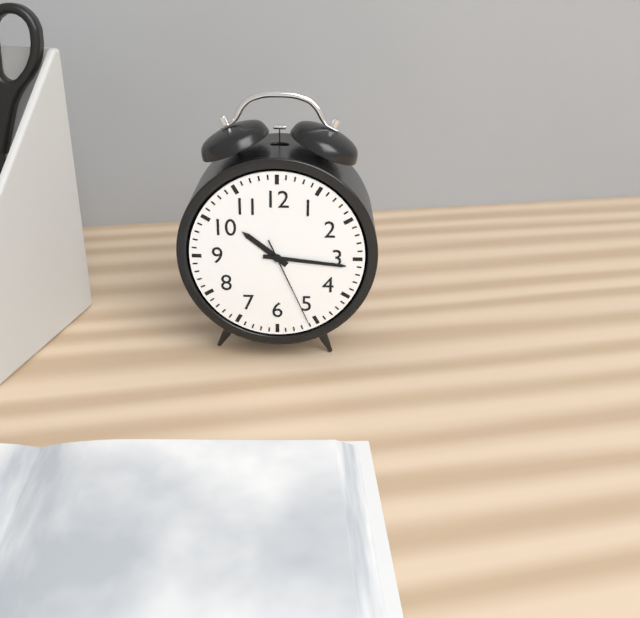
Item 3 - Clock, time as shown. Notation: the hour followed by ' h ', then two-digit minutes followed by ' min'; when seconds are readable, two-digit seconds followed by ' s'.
10 h 16 min 26 s
